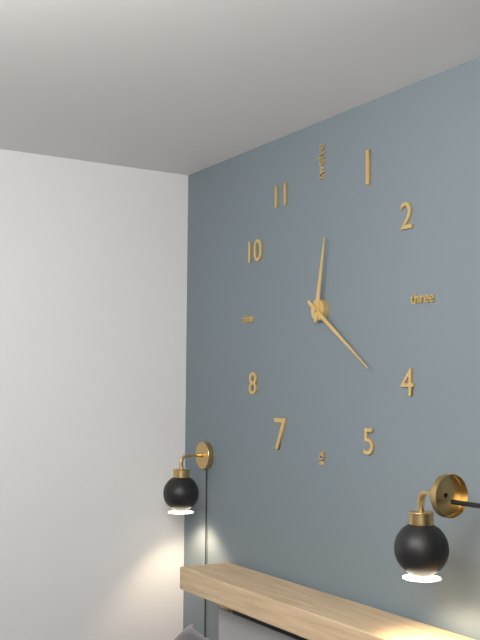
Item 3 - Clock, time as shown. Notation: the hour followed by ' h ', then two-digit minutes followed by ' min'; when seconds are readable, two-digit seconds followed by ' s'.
12 h 21 min
